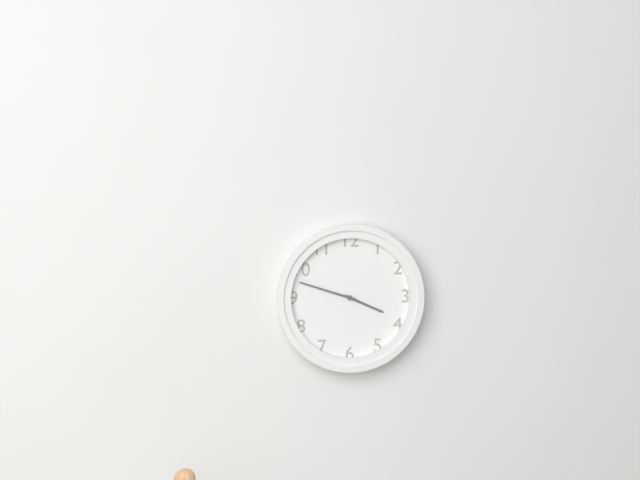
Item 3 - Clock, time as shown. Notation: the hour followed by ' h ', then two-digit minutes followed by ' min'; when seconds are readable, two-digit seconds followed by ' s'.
3 h 48 min
